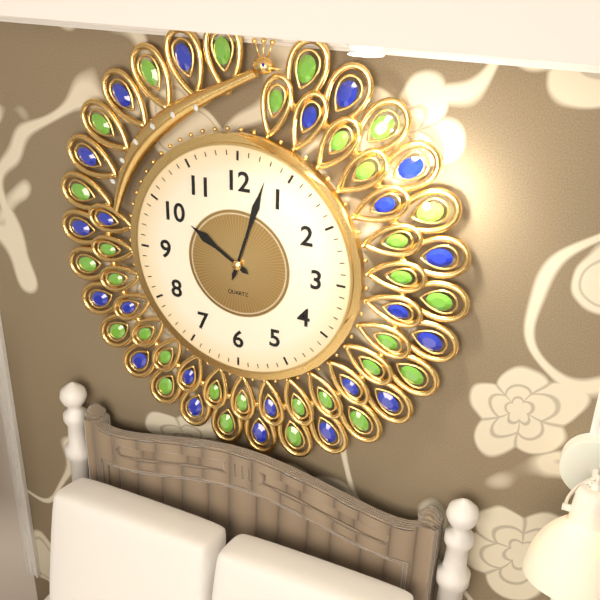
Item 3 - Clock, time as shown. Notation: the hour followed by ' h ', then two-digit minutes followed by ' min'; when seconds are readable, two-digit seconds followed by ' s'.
10 h 03 min
